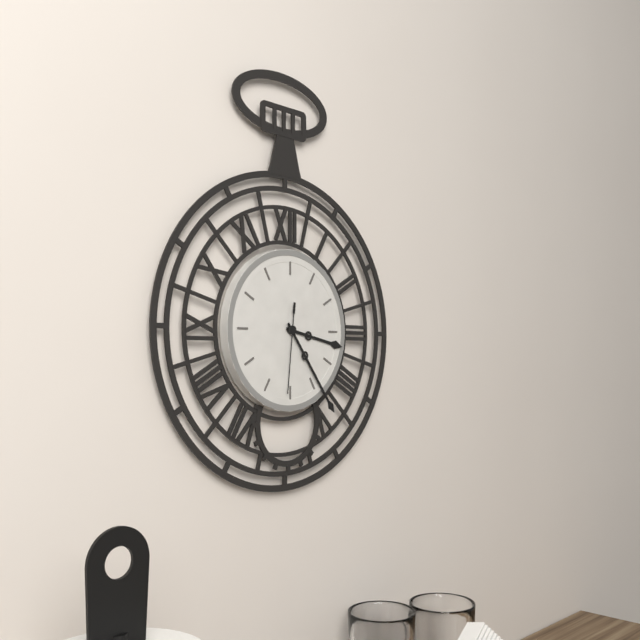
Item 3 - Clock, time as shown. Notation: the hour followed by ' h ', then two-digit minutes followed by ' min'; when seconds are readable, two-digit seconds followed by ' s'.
3 h 24 min 31 s
